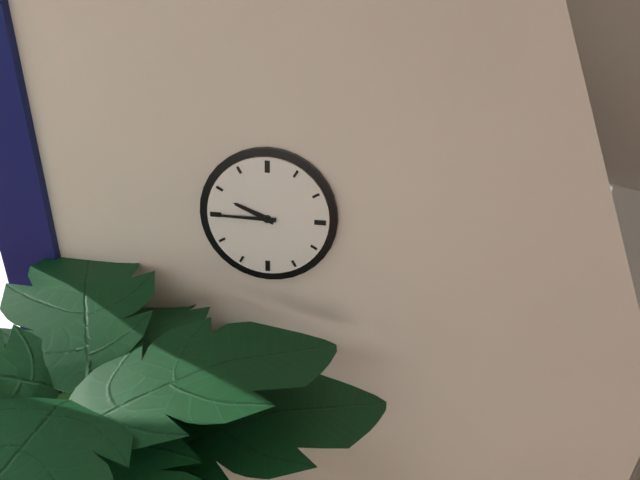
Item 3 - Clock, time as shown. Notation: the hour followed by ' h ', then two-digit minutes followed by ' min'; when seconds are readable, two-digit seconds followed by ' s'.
9 h 45 min
